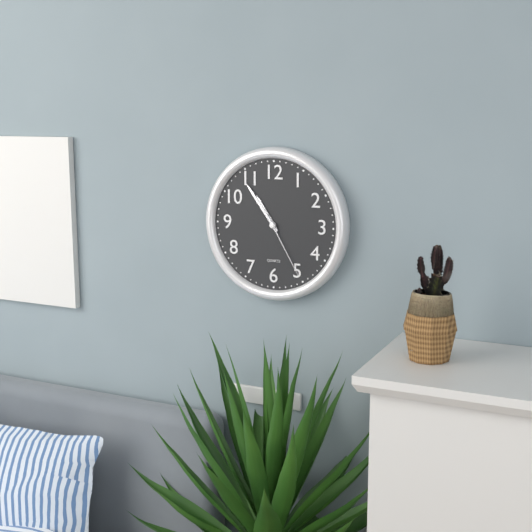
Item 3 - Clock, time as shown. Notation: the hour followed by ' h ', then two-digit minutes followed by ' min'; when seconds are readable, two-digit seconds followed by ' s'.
10 h 54 min 25 s
